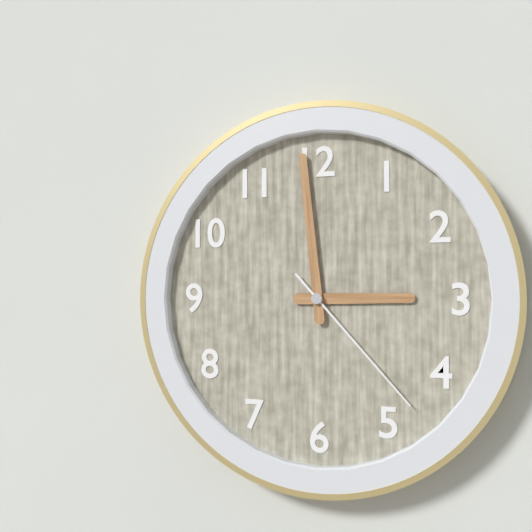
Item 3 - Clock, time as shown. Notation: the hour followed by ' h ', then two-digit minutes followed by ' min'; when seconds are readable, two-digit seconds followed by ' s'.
2 h 59 min 23 s
